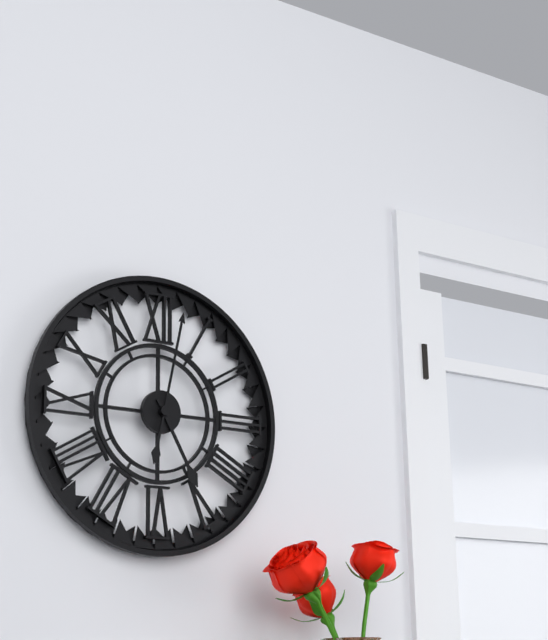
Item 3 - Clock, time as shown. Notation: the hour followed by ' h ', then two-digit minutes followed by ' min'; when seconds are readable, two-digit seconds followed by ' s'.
5 h 02 min
